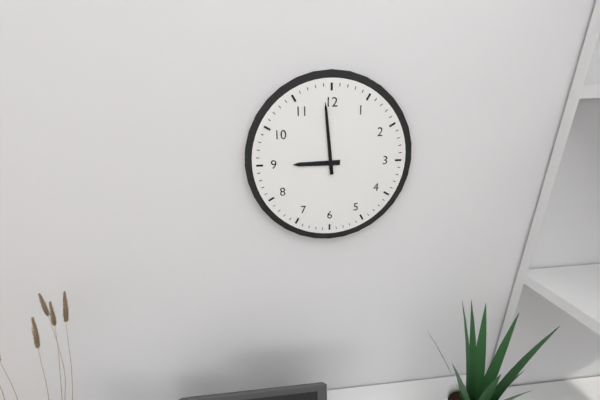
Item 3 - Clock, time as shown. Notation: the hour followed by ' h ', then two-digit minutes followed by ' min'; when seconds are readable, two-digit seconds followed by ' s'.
8 h 59 min
